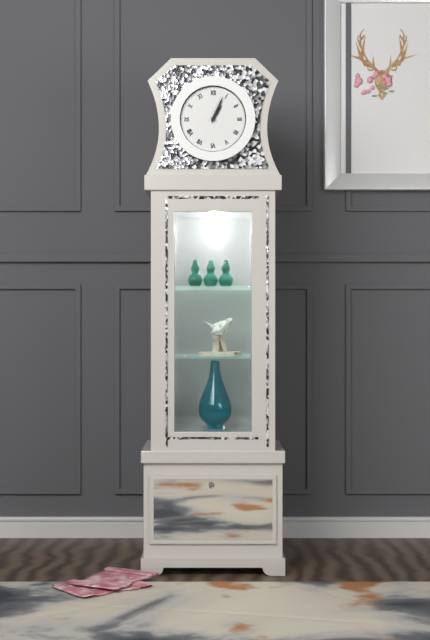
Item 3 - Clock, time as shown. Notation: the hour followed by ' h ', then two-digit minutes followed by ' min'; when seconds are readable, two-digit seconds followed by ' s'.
1 h 04 min
